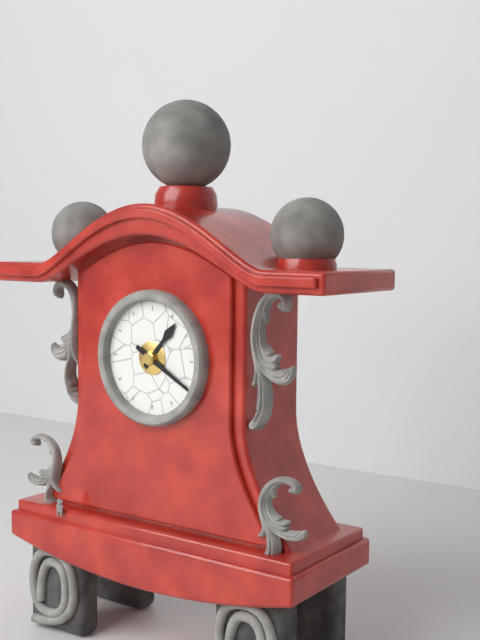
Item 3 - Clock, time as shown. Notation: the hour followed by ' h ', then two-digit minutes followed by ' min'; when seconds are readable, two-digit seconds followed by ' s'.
1 h 20 min
